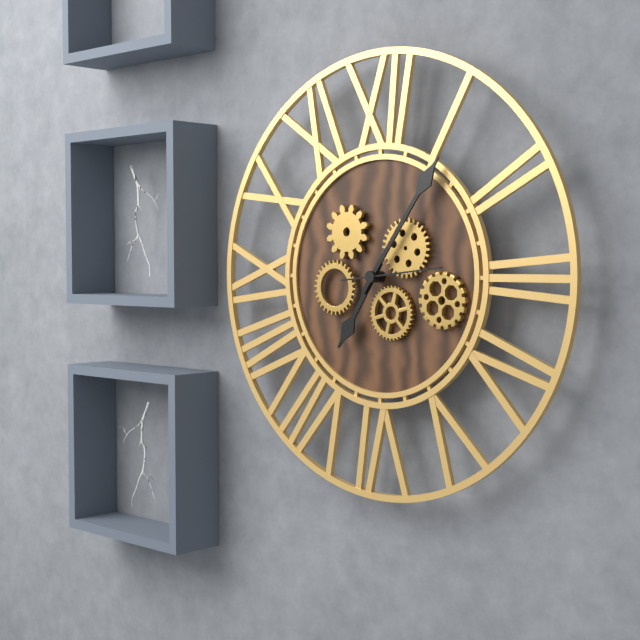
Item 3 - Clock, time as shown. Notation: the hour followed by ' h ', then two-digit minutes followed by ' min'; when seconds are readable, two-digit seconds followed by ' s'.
7 h 06 min 14 s
